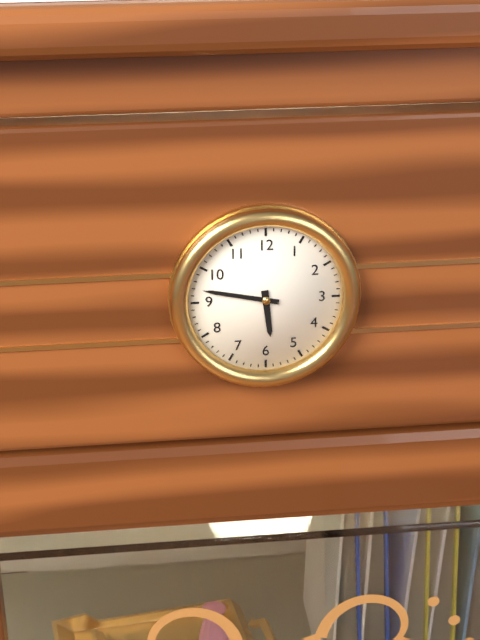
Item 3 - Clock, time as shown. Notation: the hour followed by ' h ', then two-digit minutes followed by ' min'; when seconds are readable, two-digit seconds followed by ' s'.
5 h 47 min
